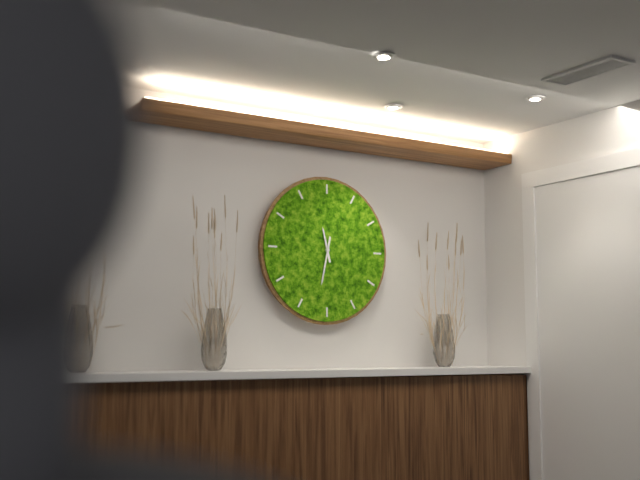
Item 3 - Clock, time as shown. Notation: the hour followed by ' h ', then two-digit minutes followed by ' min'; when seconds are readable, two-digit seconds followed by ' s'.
11 h 32 min
